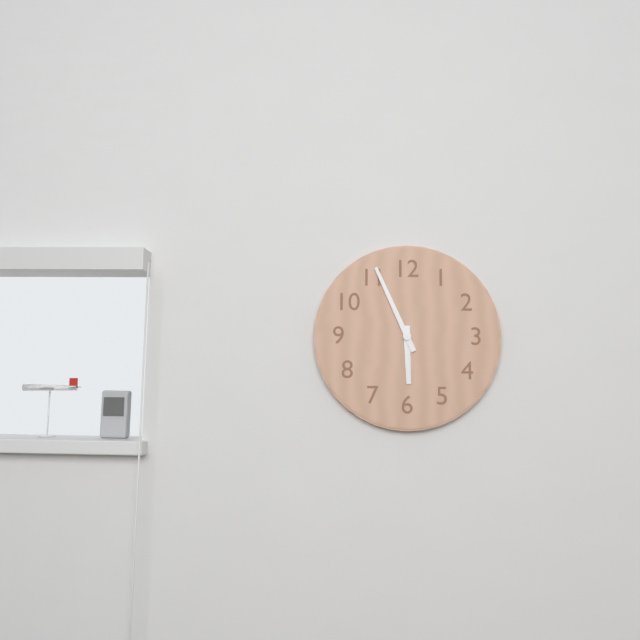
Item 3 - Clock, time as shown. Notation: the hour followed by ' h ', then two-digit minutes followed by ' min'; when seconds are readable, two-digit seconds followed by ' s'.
5 h 56 min
